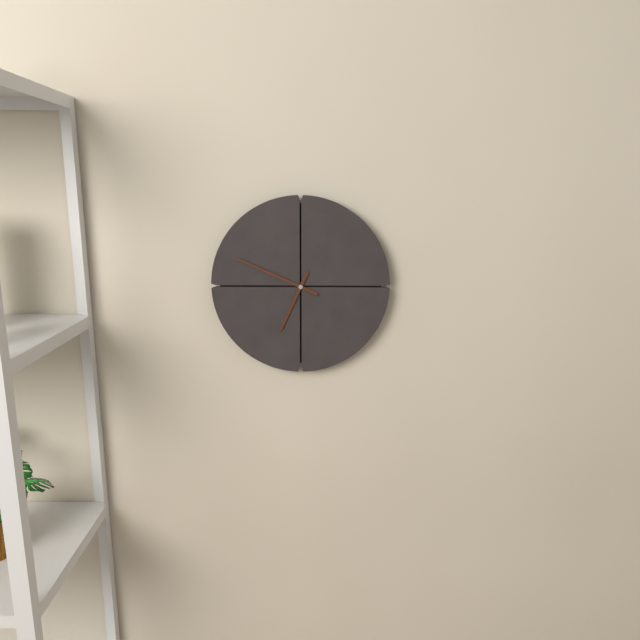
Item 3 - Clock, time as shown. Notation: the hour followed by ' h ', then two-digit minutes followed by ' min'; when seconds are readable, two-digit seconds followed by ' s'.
6 h 49 min
